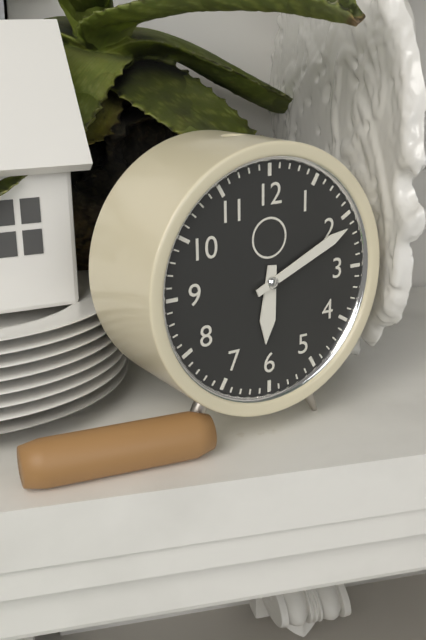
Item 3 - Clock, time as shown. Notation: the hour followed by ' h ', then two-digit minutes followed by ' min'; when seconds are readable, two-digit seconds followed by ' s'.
6 h 11 min
